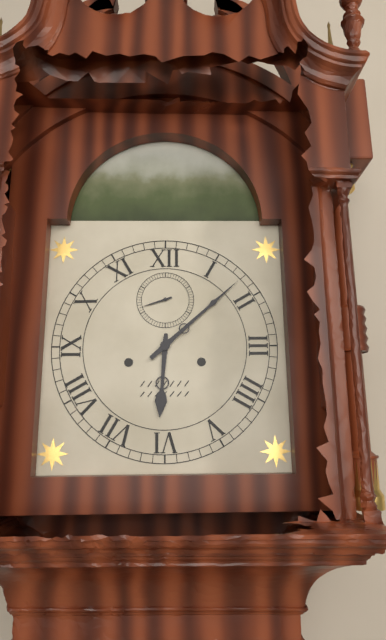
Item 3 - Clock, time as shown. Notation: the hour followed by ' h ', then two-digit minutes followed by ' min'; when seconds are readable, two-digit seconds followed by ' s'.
6 h 08 min
